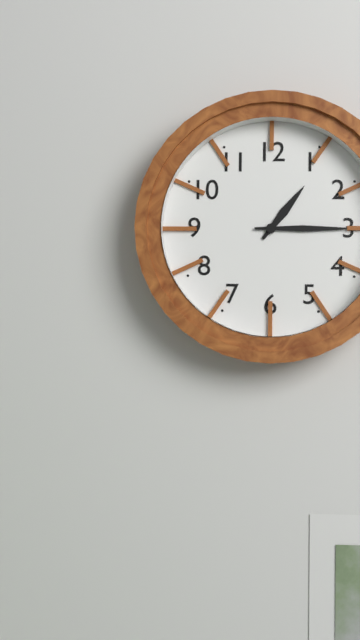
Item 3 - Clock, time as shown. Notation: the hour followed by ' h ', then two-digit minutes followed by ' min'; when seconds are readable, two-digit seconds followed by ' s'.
1 h 15 min
